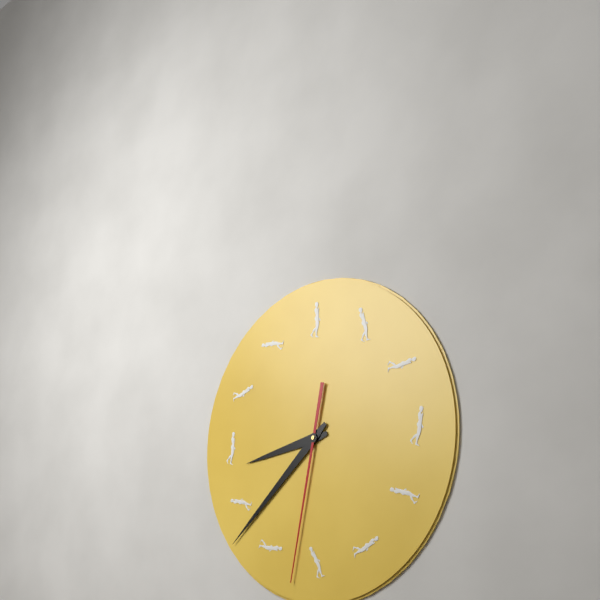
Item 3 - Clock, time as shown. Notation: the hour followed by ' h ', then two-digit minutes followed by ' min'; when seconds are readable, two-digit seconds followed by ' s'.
8 h 38 min 32 s
